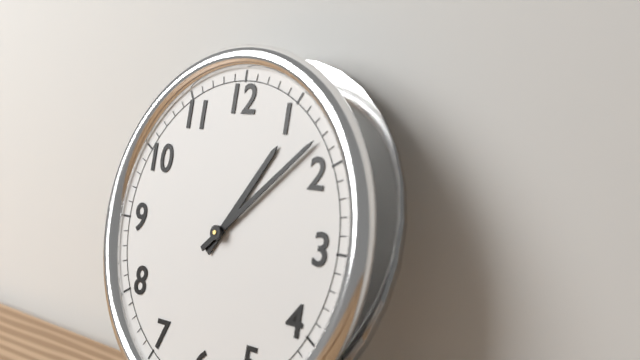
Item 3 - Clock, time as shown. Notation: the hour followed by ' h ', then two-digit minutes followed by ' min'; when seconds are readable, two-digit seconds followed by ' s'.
1 h 08 min
